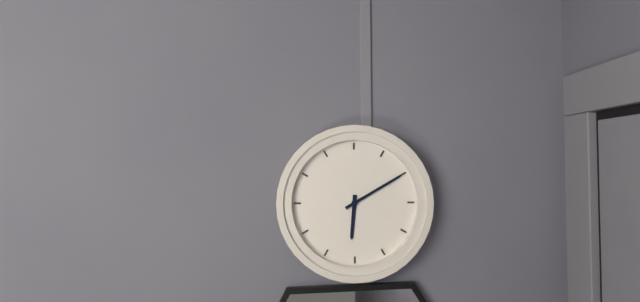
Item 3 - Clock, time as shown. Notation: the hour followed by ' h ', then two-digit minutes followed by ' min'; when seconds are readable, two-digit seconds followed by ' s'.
6 h 10 min
